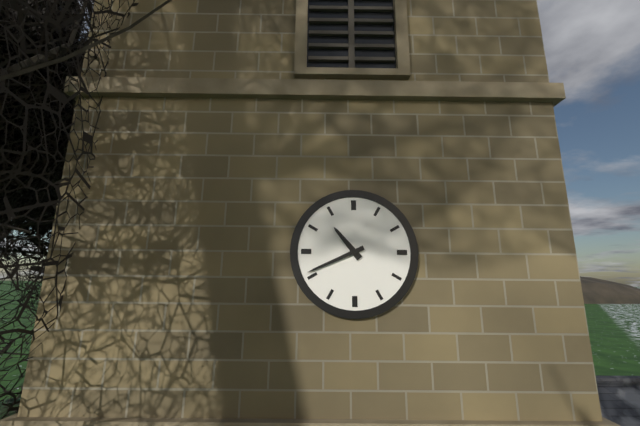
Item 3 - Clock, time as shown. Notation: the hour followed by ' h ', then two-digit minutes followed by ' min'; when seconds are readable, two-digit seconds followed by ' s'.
10 h 41 min
